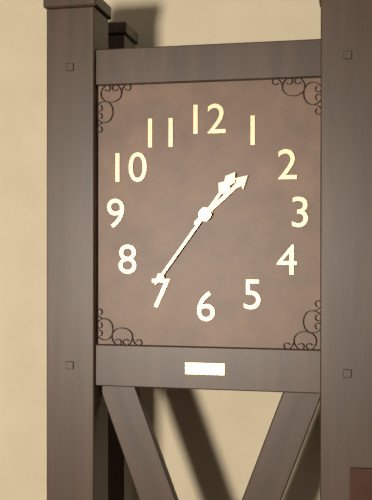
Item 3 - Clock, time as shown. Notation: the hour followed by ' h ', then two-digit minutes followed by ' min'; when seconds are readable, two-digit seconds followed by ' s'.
1 h 36 min
